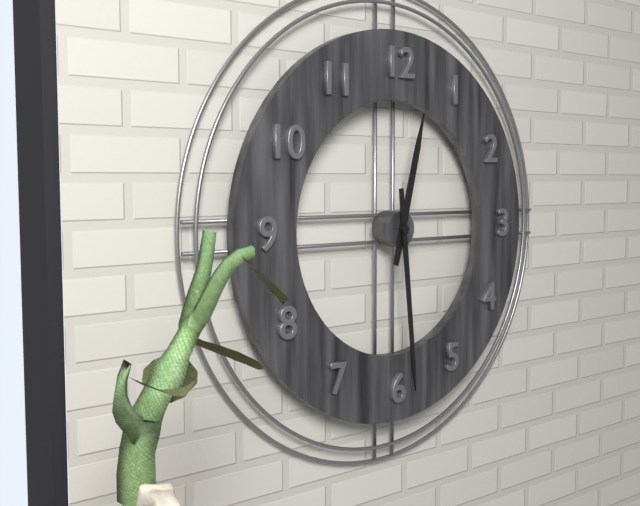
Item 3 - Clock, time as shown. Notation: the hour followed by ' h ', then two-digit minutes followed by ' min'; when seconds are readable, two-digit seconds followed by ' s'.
12 h 29 min
